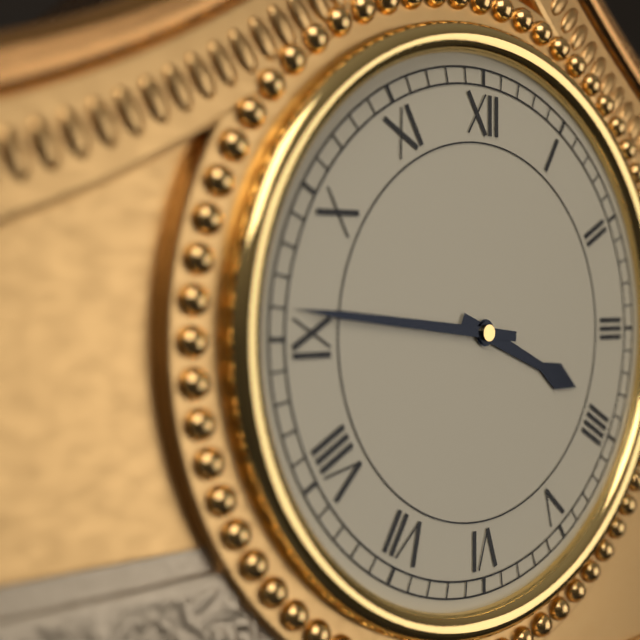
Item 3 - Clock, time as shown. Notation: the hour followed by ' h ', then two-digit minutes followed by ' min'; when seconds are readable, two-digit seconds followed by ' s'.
3 h 46 min
